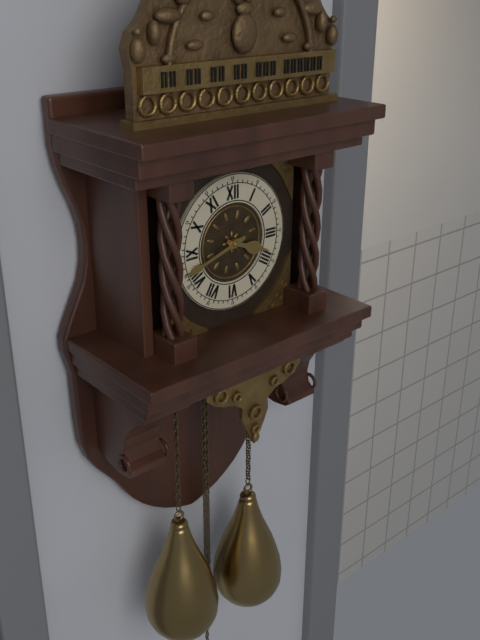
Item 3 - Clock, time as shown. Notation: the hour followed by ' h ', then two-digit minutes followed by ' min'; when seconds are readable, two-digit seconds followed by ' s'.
3 h 42 min
